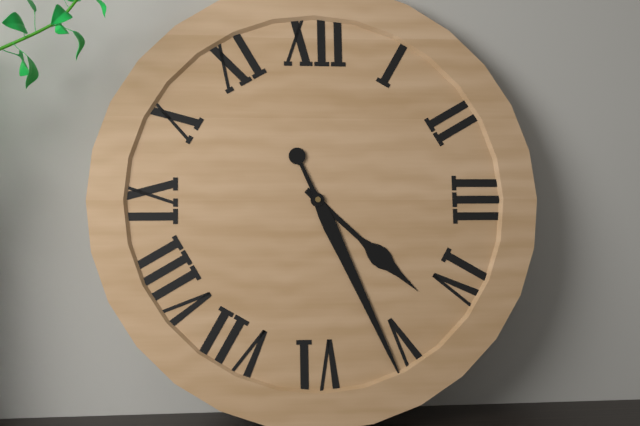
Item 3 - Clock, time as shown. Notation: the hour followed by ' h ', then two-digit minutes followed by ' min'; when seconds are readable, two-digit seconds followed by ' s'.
4 h 26 min
